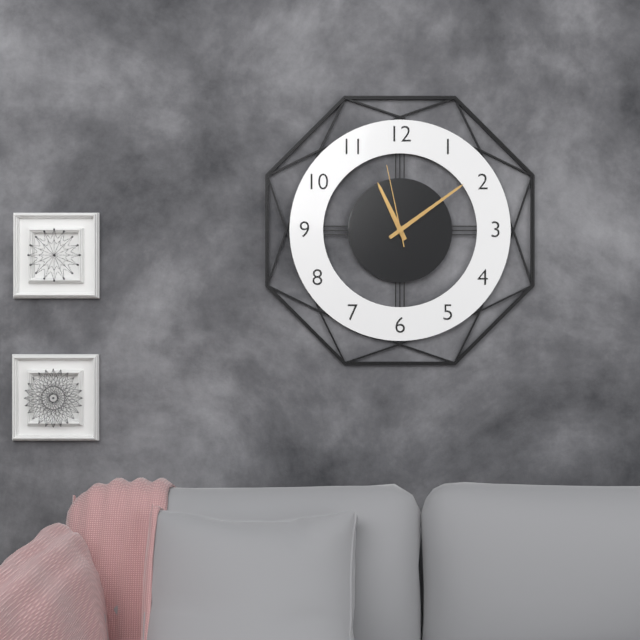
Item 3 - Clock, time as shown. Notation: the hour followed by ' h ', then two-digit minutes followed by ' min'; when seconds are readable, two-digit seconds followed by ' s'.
11 h 09 min 58 s
